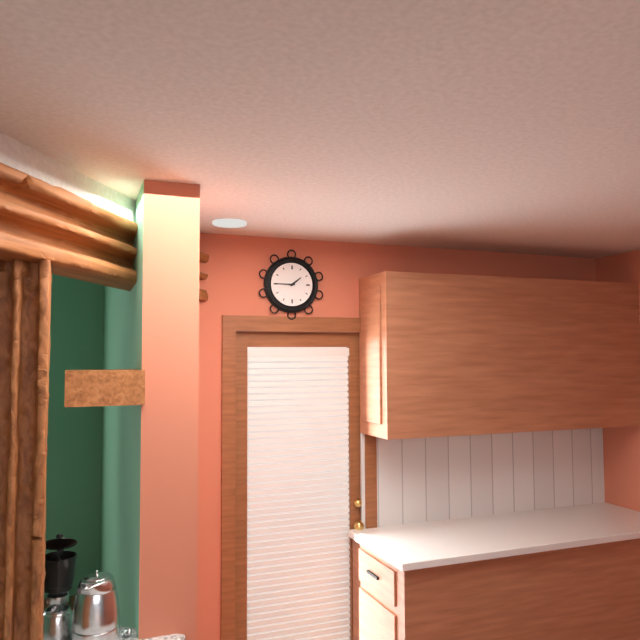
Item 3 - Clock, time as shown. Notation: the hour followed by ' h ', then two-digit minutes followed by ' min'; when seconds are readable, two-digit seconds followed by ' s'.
1 h 45 min
